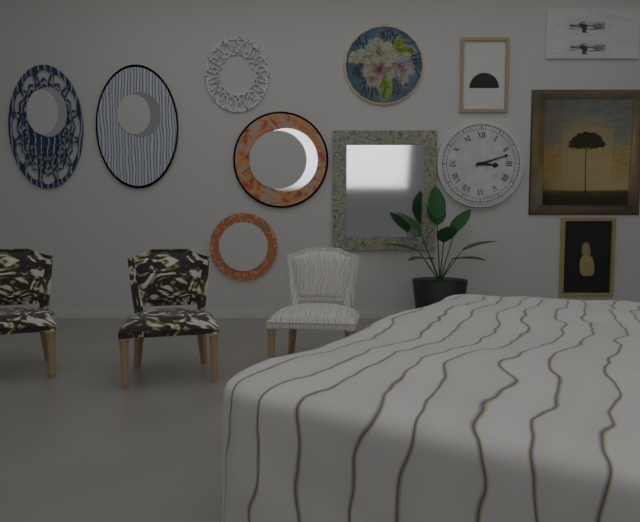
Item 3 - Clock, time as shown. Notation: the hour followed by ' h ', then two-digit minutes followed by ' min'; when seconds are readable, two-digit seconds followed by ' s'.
3 h 12 min
